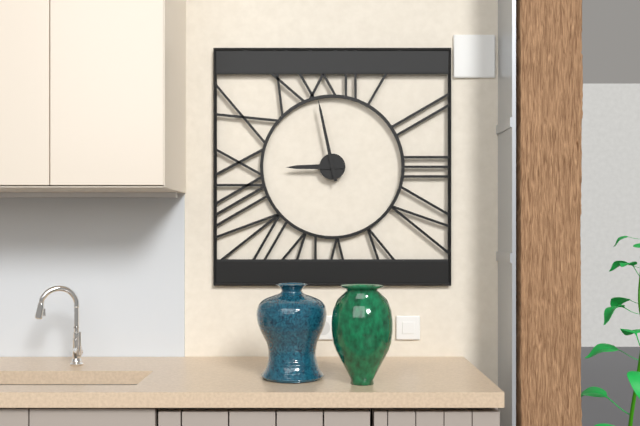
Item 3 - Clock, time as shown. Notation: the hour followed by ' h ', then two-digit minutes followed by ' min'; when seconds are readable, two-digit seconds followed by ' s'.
8 h 58 min
